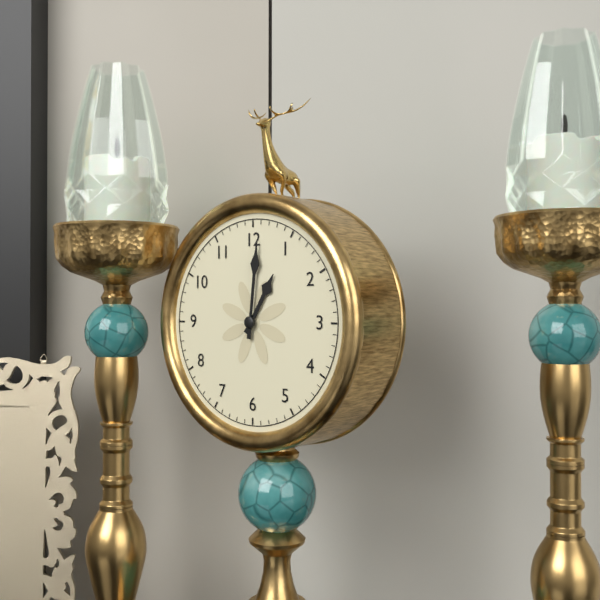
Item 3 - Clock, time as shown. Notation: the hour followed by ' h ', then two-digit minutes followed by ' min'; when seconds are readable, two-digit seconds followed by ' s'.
1 h 01 min
